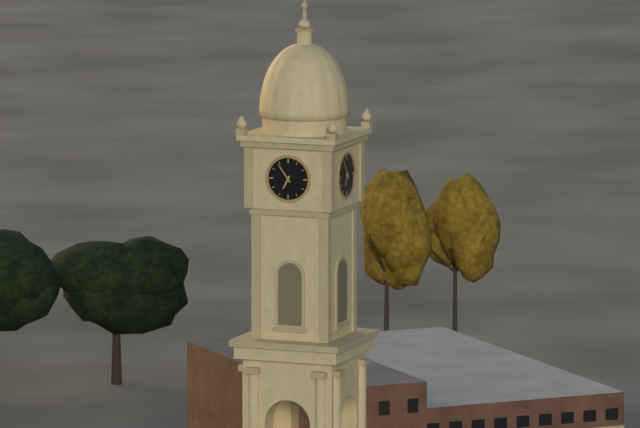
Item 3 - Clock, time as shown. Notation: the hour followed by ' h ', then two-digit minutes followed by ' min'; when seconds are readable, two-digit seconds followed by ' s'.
6 h 54 min
